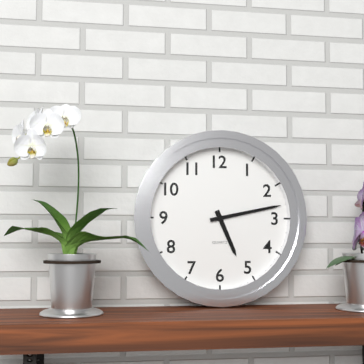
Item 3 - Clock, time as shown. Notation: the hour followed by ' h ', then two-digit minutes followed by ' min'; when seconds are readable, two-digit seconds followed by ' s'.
5 h 13 min
